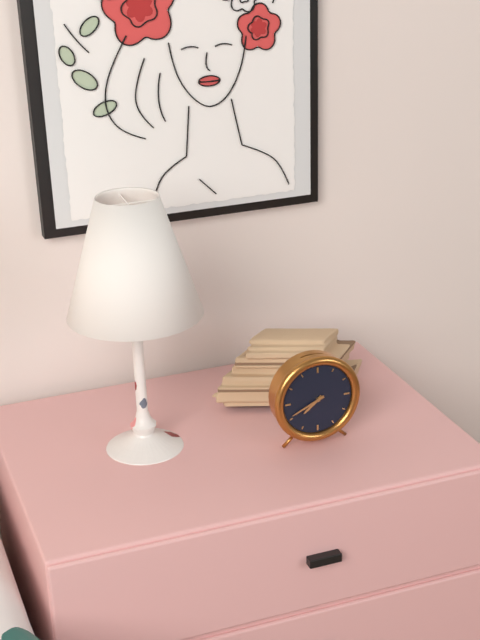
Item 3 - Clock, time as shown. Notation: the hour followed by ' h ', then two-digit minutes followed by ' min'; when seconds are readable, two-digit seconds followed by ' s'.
7 h 41 min
